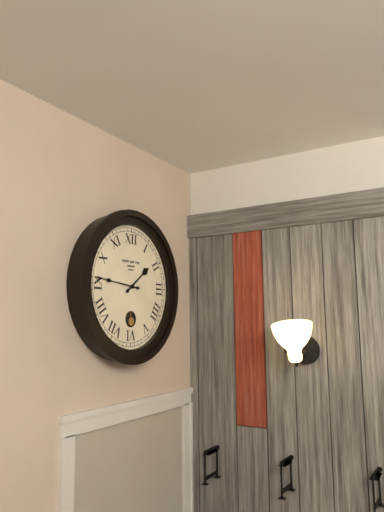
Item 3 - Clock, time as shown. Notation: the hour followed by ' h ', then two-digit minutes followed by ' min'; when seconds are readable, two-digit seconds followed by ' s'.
1 h 46 min
